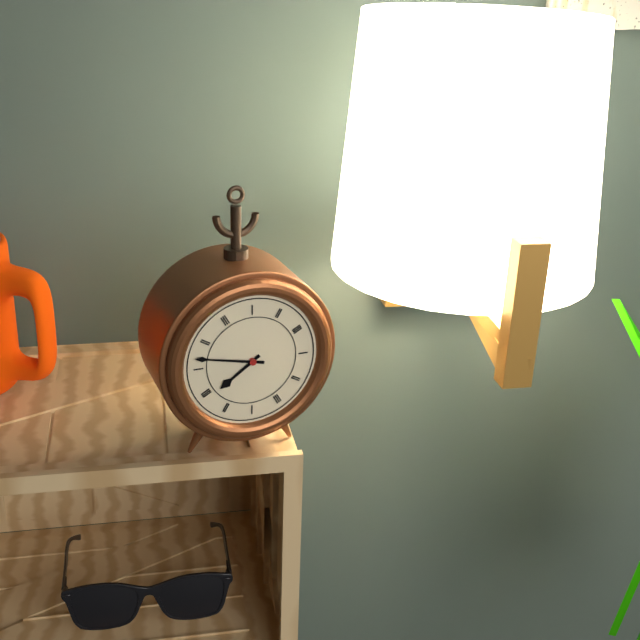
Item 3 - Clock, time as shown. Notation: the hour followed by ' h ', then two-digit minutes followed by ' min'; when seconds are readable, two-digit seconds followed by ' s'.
7 h 47 min
